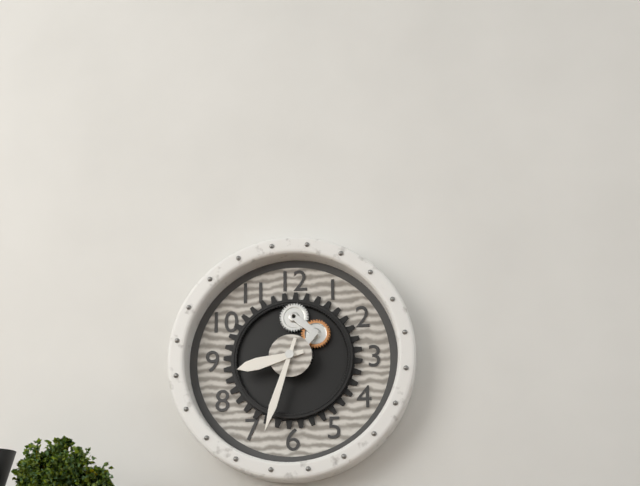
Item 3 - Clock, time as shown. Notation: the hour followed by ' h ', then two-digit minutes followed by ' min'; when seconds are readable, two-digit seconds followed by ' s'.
8 h 33 min
